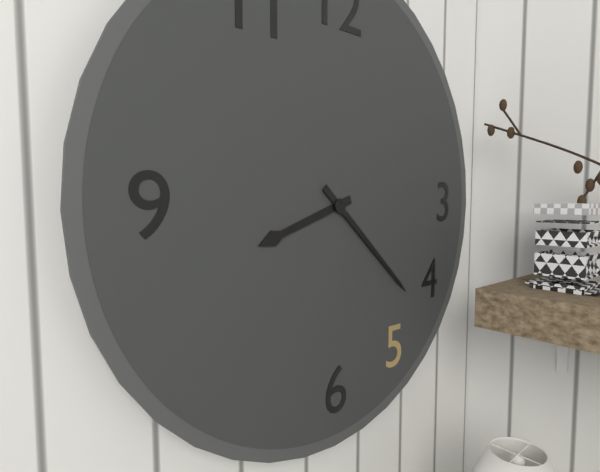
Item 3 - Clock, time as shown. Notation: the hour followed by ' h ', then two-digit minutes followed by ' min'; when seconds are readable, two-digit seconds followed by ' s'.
8 h 22 min
